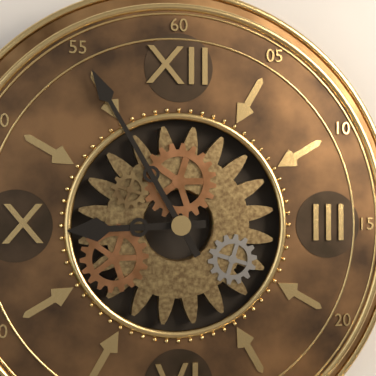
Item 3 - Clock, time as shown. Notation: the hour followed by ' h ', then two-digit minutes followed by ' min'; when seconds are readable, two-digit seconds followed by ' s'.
8 h 55 min
